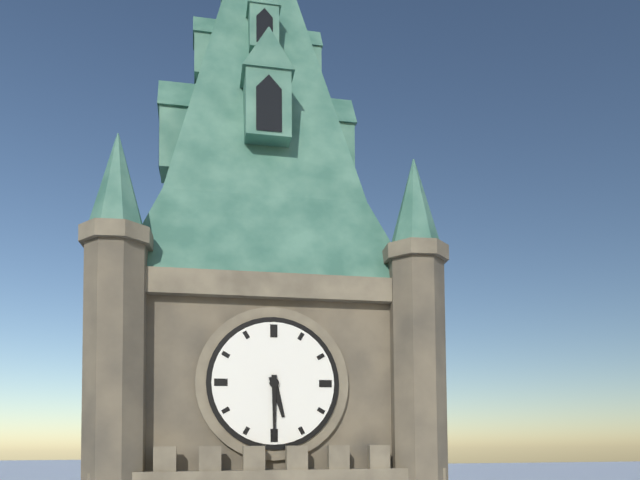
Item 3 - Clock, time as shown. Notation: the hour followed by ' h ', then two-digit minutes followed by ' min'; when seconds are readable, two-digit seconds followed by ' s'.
5 h 30 min
